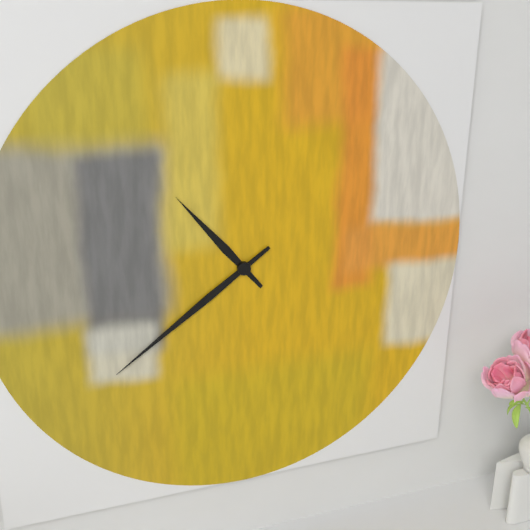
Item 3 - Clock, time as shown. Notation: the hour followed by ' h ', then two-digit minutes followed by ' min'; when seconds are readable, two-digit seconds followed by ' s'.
10 h 39 min
